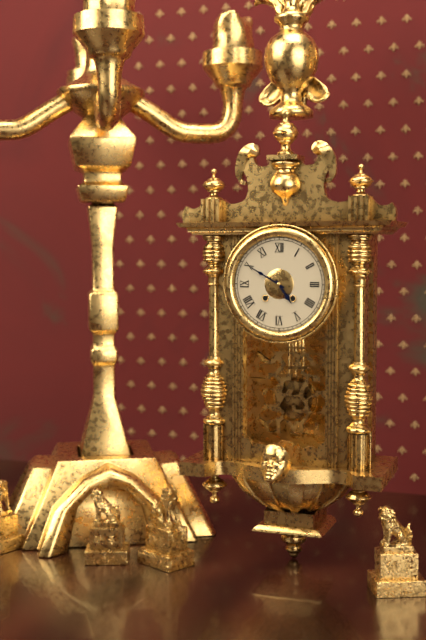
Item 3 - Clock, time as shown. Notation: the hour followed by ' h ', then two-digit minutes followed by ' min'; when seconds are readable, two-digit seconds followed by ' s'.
4 h 50 min
